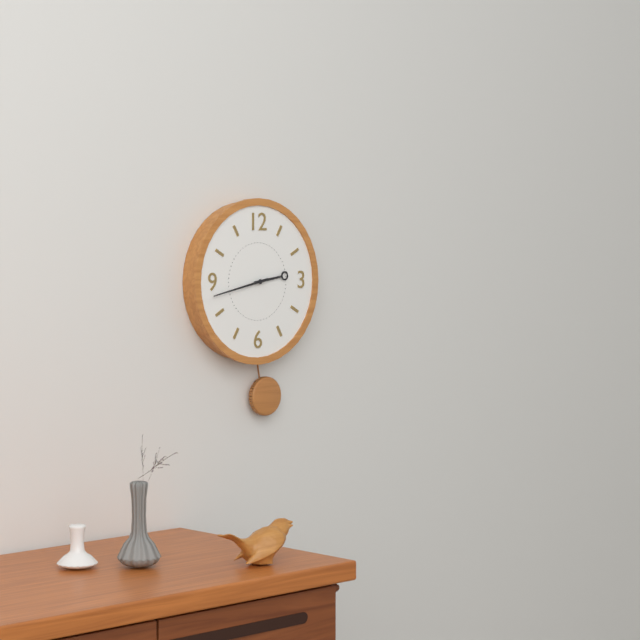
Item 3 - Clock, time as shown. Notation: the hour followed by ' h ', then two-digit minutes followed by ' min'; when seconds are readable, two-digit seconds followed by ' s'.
2 h 43 min
